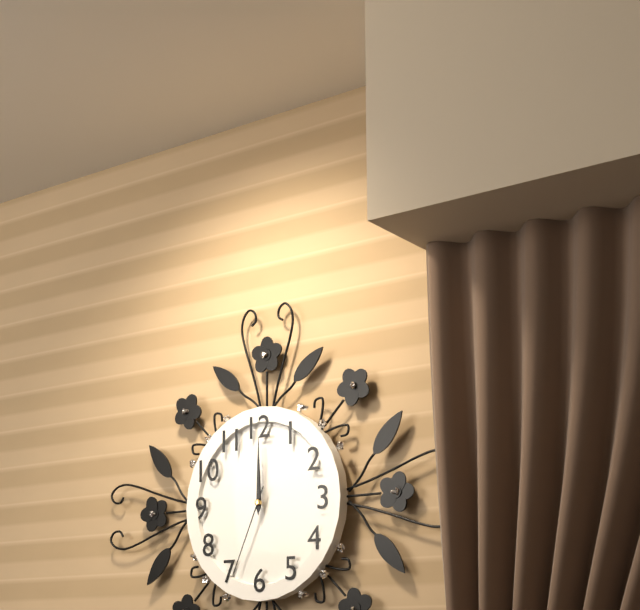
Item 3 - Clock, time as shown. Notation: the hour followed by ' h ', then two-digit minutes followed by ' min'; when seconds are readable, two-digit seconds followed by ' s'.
12 h 00 min 34 s
